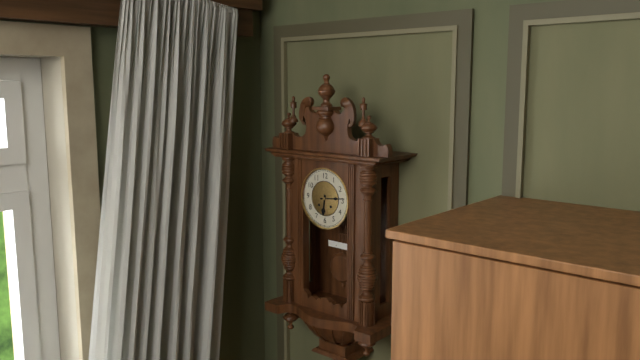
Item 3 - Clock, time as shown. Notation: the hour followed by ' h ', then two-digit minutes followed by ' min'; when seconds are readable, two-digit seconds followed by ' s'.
6 h 14 min
